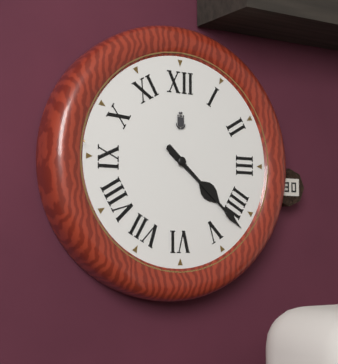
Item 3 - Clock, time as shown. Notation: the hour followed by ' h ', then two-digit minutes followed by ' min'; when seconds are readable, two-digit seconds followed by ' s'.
4 h 22 min
